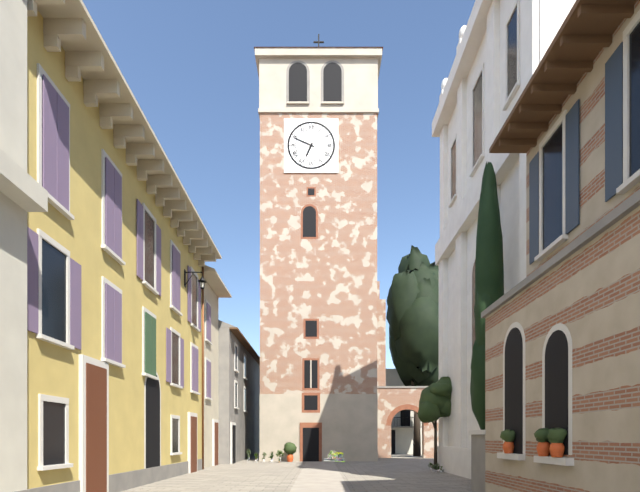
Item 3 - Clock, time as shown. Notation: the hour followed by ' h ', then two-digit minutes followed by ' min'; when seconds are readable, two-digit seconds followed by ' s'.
6 h 49 min
